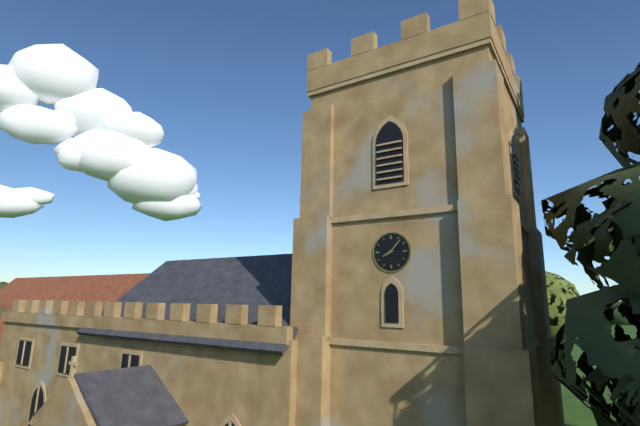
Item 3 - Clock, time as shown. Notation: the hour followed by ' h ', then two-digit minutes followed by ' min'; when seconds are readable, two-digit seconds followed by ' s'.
8 h 07 min
